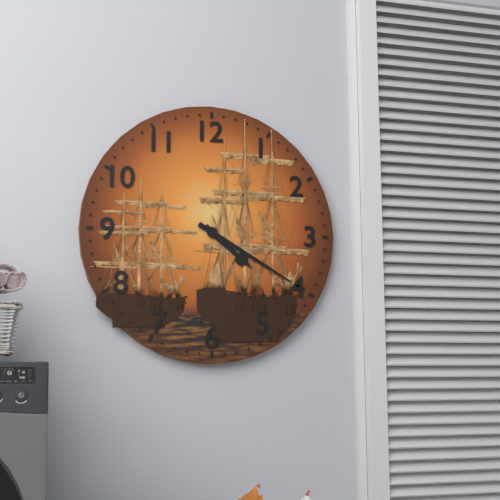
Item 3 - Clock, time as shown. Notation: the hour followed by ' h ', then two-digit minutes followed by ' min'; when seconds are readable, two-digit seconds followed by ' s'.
4 h 20 min
